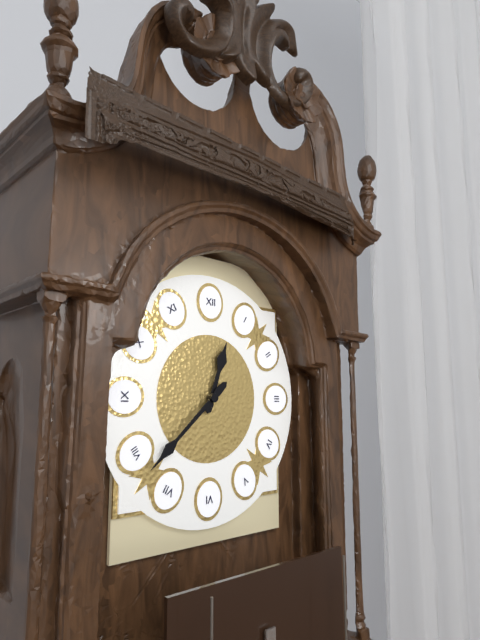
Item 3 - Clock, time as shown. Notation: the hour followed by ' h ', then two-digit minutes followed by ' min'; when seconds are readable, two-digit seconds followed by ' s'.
12 h 38 min
